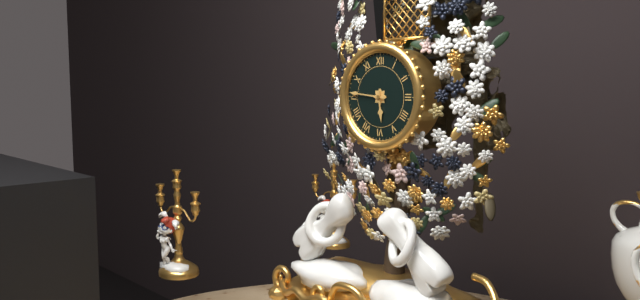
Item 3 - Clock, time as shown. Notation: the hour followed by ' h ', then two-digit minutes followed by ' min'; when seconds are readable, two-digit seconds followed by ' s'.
5 h 46 min
